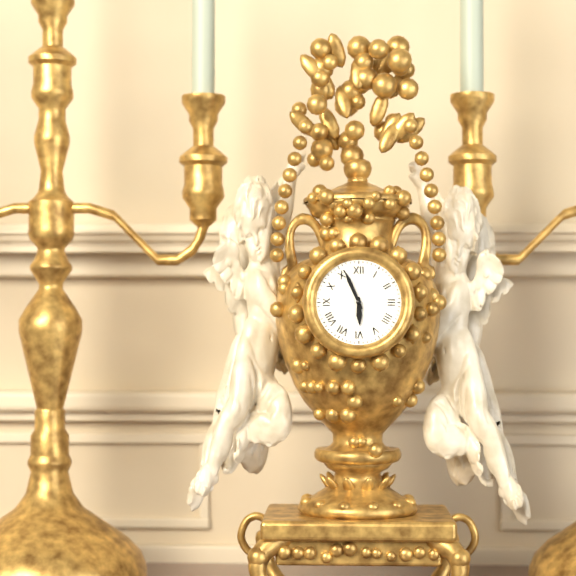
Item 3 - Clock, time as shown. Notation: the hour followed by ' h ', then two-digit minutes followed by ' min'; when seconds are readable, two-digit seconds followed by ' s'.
5 h 56 min
